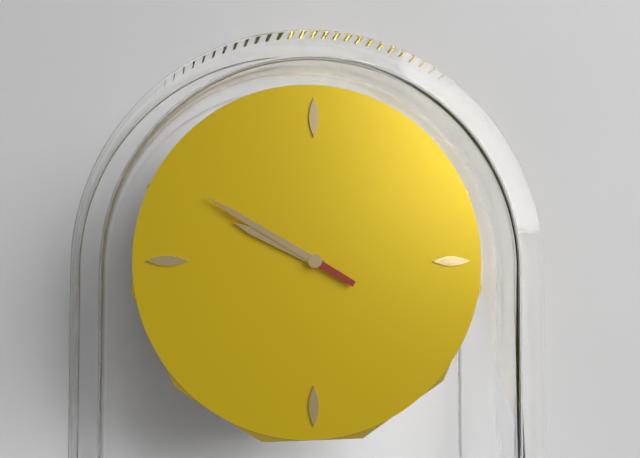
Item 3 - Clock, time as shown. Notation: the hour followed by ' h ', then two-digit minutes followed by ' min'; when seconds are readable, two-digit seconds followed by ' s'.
9 h 50 min
